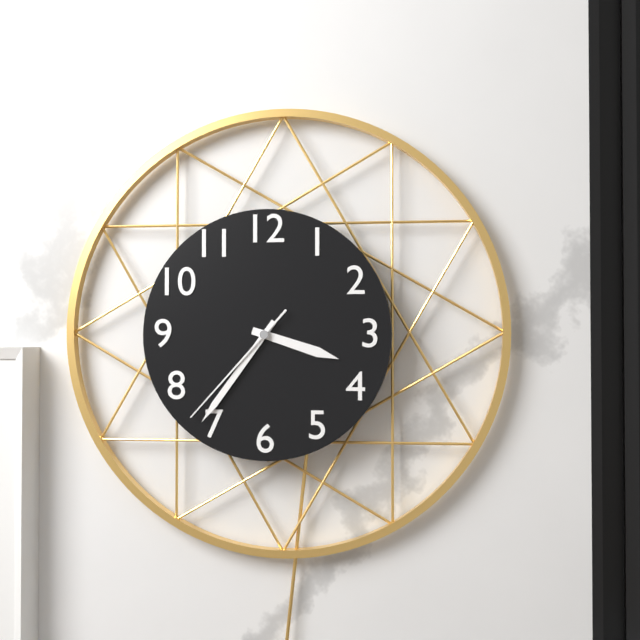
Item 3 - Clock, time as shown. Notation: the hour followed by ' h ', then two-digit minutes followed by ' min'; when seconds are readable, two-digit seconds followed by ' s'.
3 h 36 min 37 s
